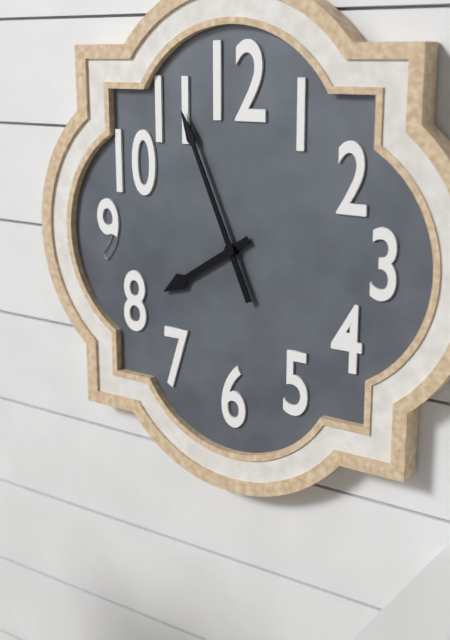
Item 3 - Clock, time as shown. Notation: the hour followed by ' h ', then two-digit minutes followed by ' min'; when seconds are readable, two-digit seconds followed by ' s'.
7 h 56 min
